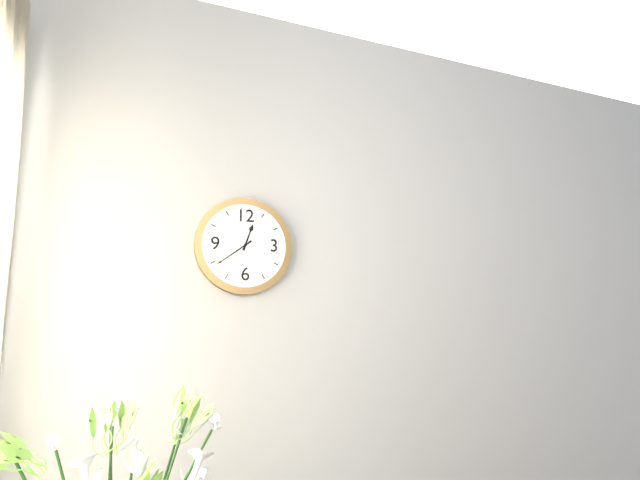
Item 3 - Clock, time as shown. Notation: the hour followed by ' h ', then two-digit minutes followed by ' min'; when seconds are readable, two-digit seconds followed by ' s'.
12 h 39 min
